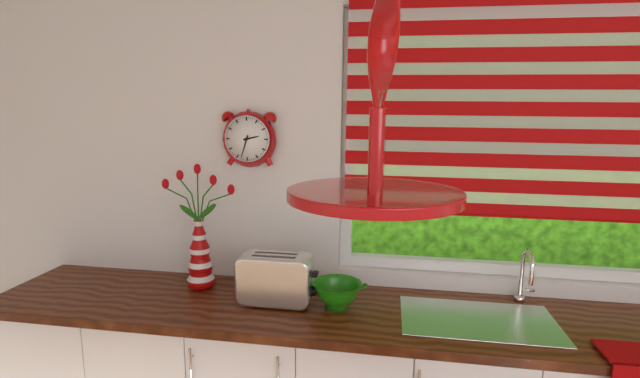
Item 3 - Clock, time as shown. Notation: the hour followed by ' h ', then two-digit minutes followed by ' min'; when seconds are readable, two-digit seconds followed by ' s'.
2 h 33 min
